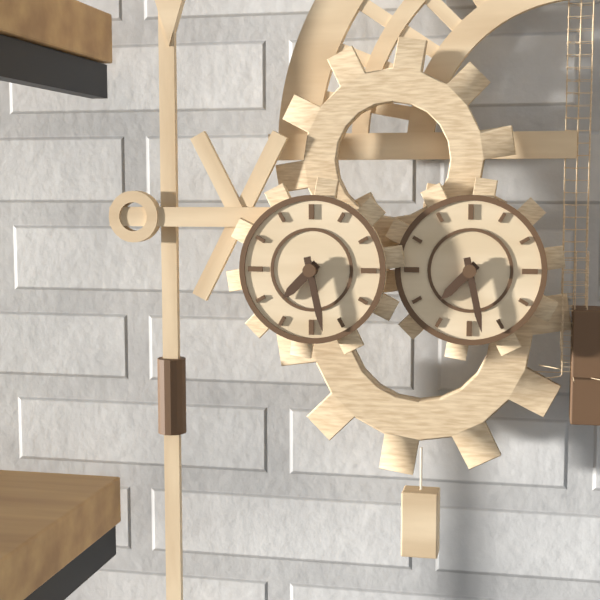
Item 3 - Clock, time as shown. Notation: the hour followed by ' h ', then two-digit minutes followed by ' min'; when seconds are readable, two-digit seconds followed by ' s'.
7 h 28 min
